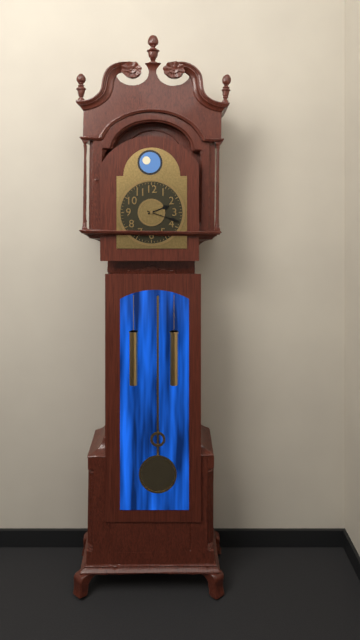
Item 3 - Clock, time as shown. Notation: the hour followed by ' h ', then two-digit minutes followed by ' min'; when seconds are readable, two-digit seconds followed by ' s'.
2 h 18 min
